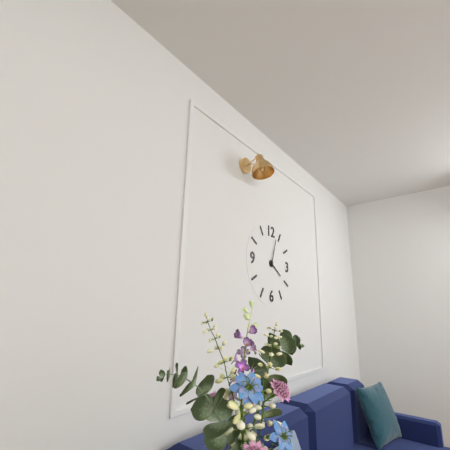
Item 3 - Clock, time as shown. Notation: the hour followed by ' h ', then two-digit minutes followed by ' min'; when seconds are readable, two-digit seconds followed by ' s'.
4 h 03 min
